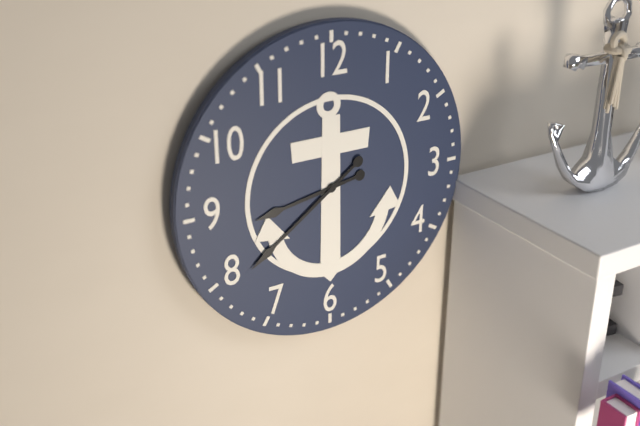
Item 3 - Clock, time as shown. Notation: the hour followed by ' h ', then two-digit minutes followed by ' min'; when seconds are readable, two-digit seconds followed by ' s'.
8 h 39 min
